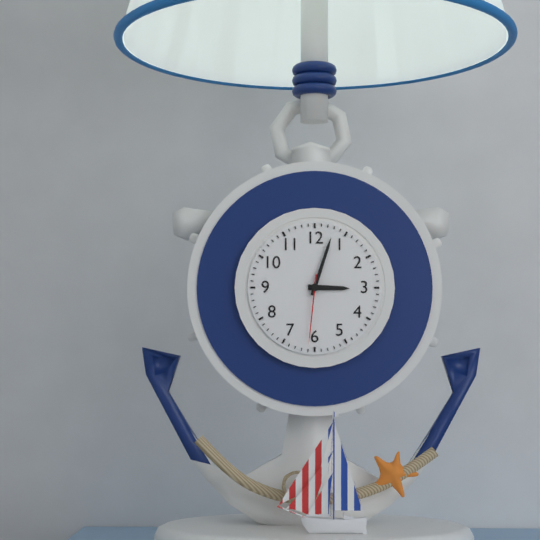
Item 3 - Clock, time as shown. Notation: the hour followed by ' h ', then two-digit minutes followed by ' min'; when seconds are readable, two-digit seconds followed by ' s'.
3 h 03 min 31 s
